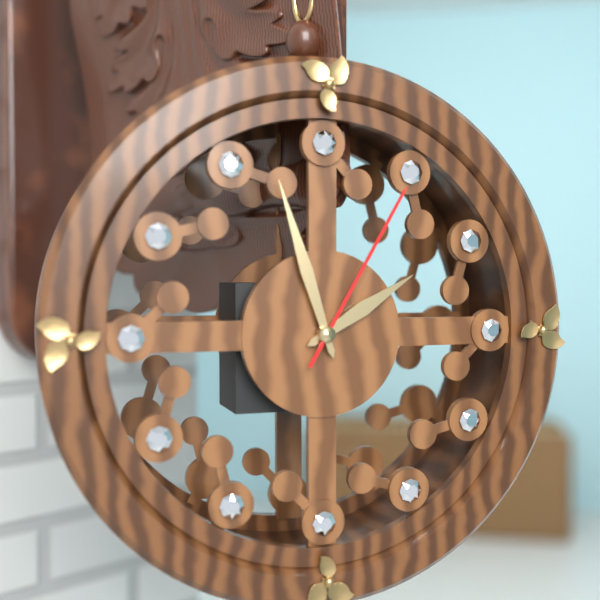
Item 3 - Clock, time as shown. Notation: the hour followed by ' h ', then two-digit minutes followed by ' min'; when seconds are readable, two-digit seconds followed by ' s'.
1 h 57 min 05 s
